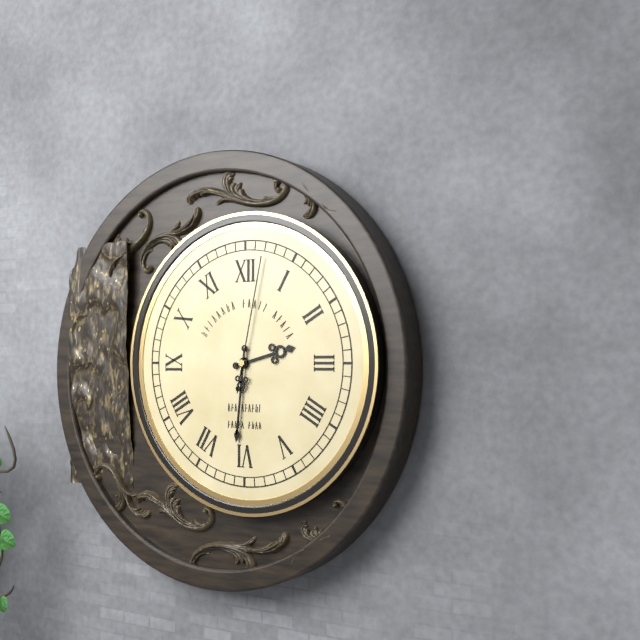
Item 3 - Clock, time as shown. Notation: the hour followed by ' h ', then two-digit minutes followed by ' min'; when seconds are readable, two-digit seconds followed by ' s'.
2 h 31 min 02 s
